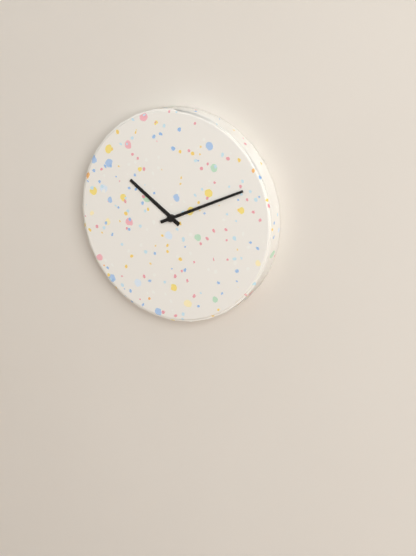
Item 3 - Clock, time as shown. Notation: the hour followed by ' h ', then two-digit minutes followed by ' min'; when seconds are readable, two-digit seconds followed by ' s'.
10 h 11 min
